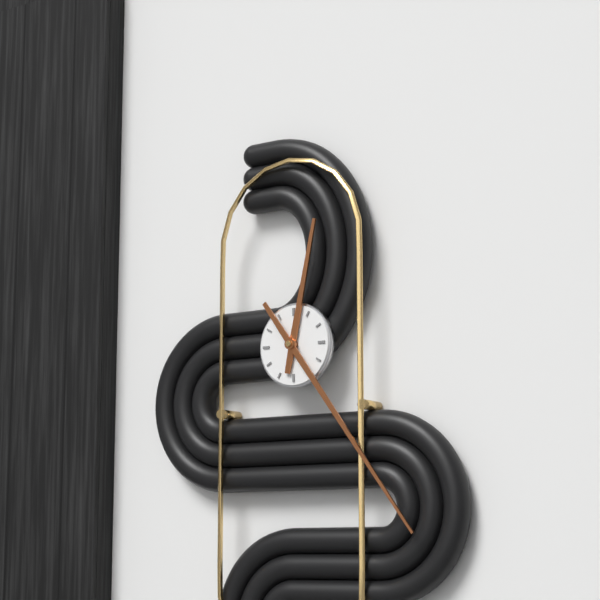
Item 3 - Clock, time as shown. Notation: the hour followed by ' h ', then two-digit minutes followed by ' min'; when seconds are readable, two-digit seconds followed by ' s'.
12 h 24 min
